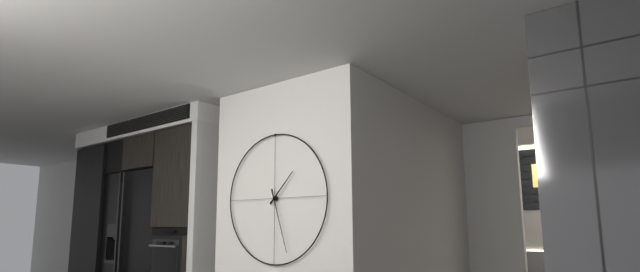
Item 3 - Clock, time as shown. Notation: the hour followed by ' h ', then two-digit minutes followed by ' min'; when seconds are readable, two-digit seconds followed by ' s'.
1 h 27 min
